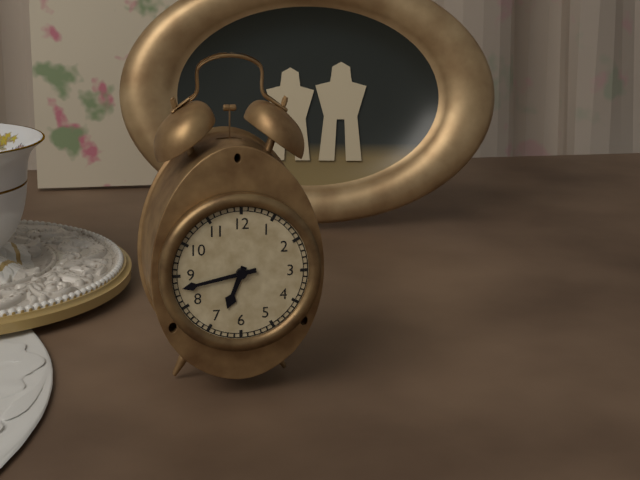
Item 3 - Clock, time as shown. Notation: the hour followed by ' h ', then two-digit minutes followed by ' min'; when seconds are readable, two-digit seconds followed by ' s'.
6 h 43 min
